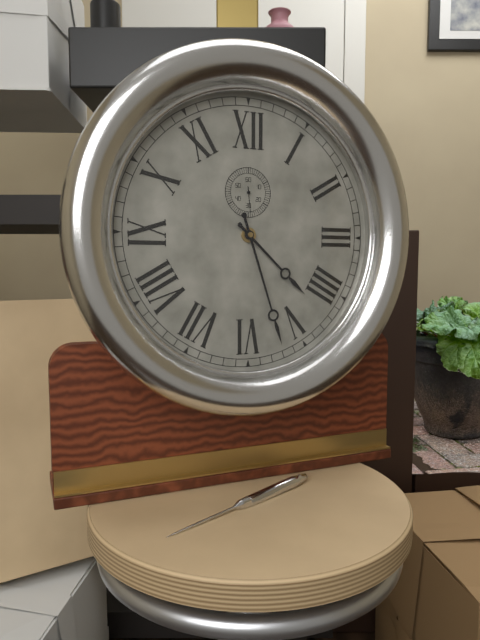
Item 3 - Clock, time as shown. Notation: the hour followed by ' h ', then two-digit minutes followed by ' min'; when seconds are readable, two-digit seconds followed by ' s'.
4 h 27 min
